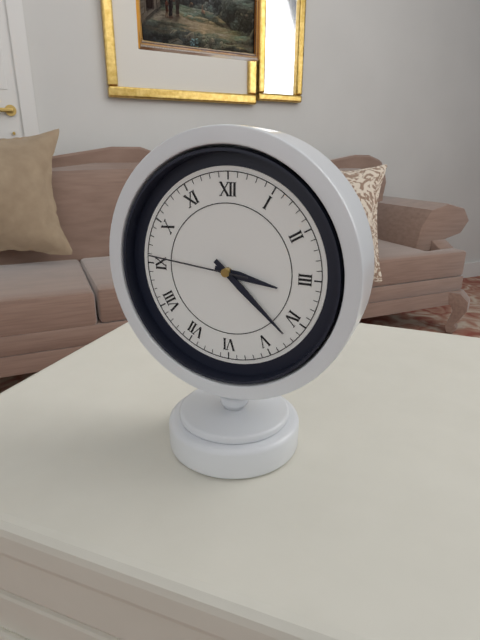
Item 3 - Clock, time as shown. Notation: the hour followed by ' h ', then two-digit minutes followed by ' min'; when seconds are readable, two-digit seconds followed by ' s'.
3 h 22 min 46 s
